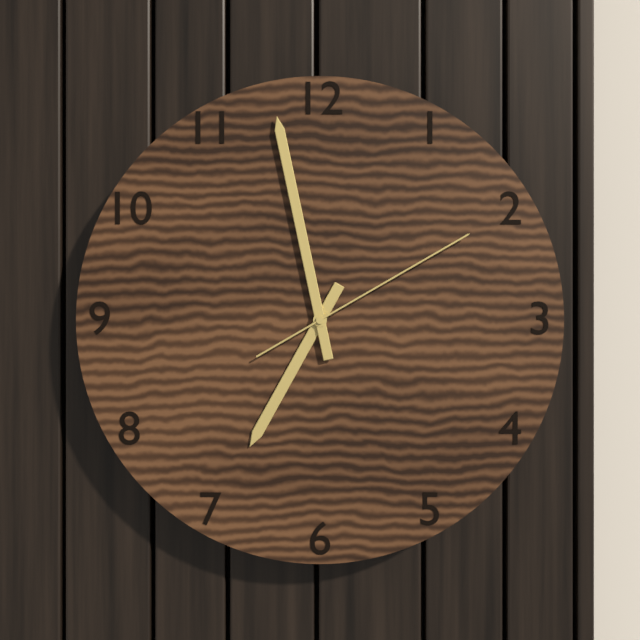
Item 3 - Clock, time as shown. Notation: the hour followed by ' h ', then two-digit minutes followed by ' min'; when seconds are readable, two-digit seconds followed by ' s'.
6 h 58 min 10 s
